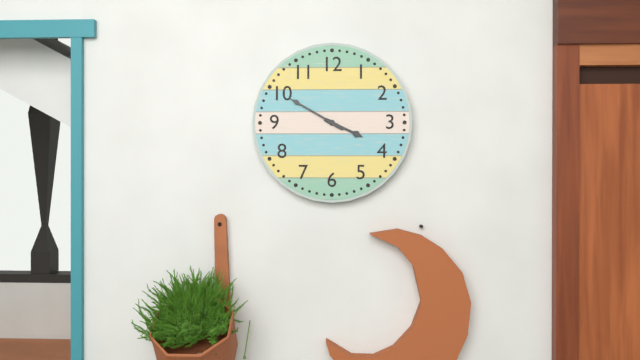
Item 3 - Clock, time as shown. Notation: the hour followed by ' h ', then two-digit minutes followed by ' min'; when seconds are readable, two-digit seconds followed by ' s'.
3 h 50 min
